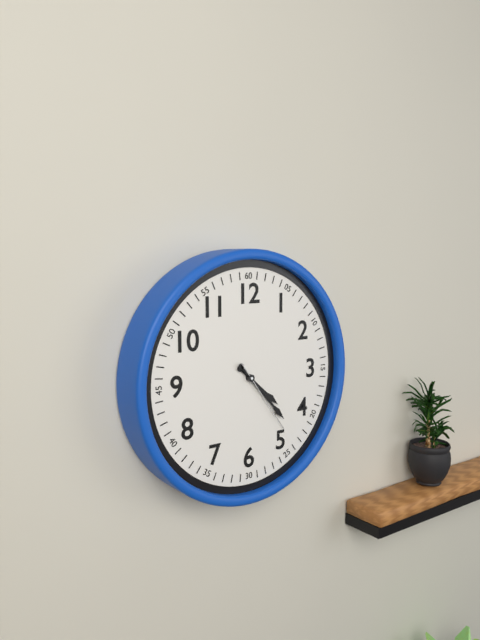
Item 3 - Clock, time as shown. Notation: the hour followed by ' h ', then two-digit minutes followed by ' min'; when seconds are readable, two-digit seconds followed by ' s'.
4 h 23 min 24 s
